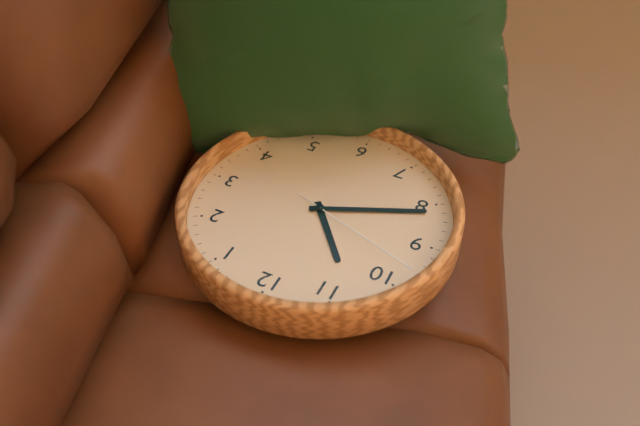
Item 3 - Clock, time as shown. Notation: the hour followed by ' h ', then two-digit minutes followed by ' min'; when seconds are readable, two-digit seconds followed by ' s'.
10 h 41 min 48 s
